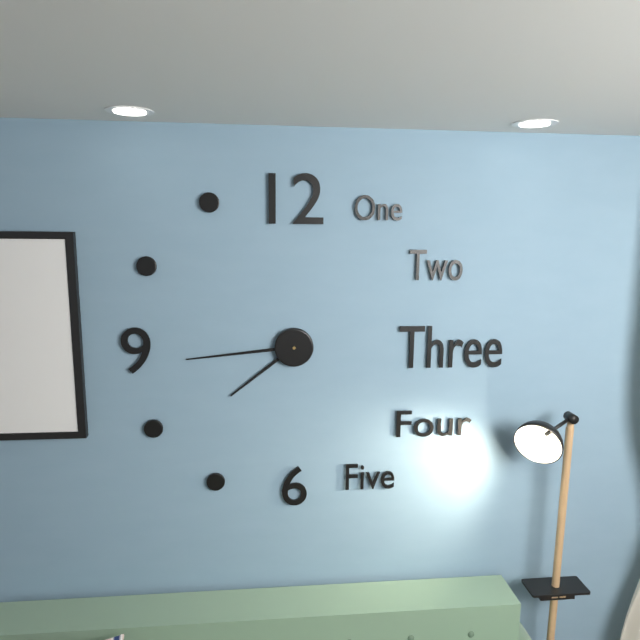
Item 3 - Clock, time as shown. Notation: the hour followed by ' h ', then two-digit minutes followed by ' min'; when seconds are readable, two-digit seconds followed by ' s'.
7 h 44 min
